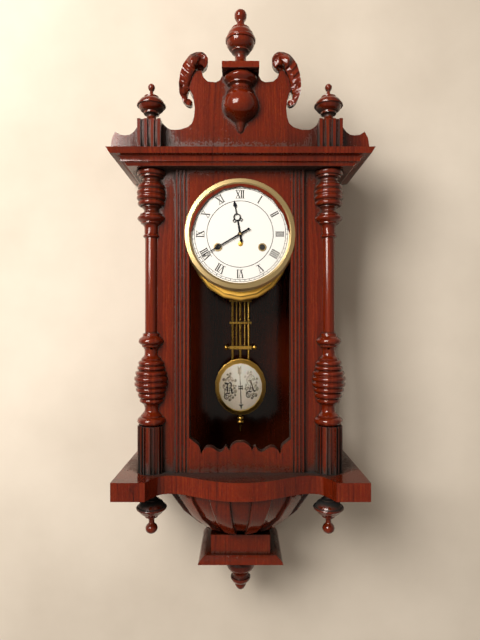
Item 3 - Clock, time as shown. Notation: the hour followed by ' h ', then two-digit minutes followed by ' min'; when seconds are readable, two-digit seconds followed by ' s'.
11 h 40 min
